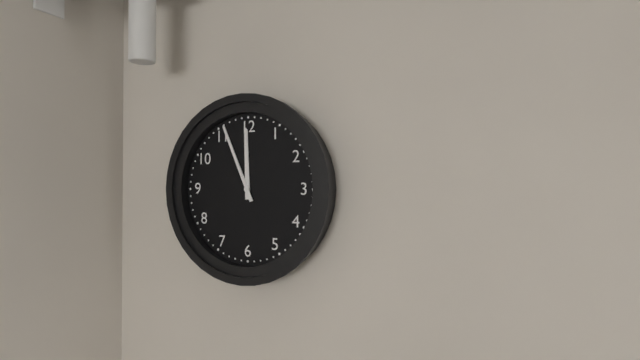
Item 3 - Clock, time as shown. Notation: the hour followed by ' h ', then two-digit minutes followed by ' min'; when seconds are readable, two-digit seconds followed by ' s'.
11 h 56 min
